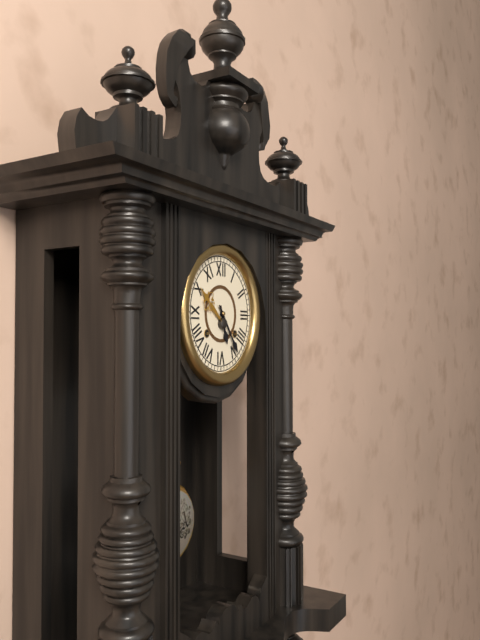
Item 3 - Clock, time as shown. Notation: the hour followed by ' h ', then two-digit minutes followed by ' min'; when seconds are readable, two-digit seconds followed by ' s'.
5 h 24 min
